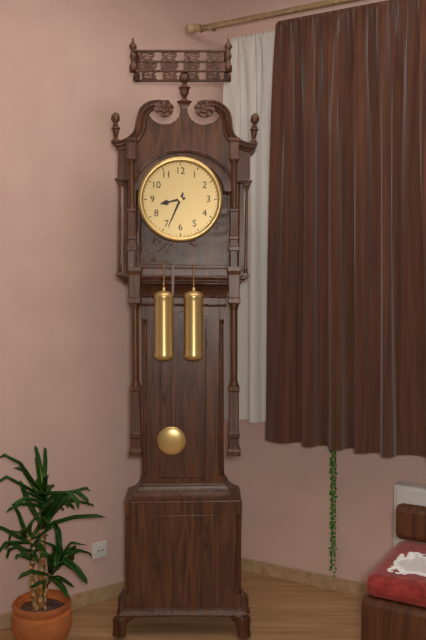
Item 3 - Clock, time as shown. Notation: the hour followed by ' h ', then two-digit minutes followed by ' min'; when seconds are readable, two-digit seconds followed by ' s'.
8 h 34 min
